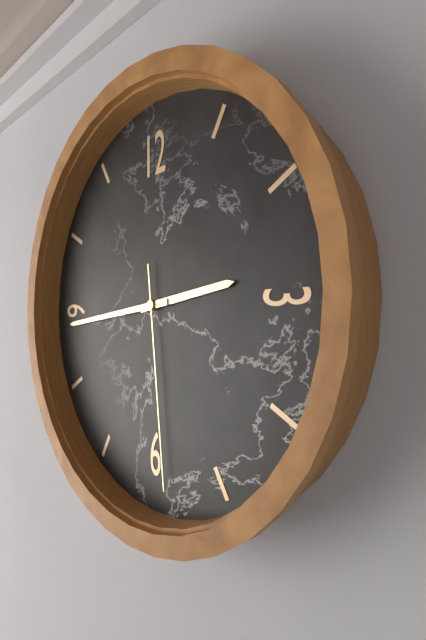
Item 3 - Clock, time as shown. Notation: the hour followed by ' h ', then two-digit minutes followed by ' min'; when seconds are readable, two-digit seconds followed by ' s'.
2 h 44 min 29 s
